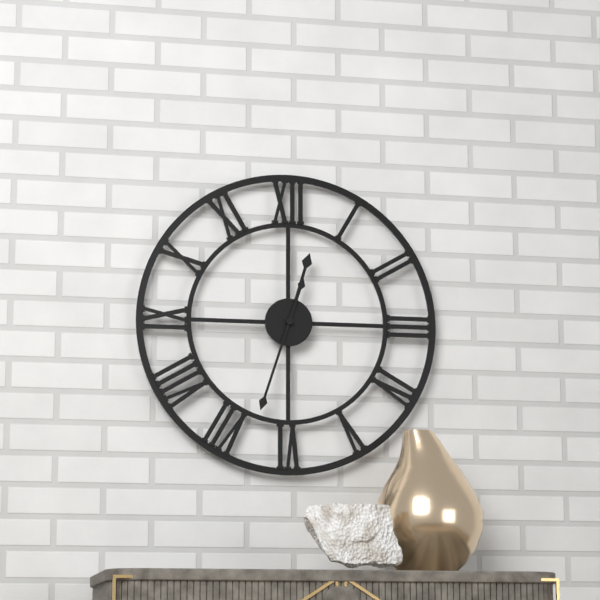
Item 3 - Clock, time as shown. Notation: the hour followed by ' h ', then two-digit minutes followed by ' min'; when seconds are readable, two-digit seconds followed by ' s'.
12 h 33 min
